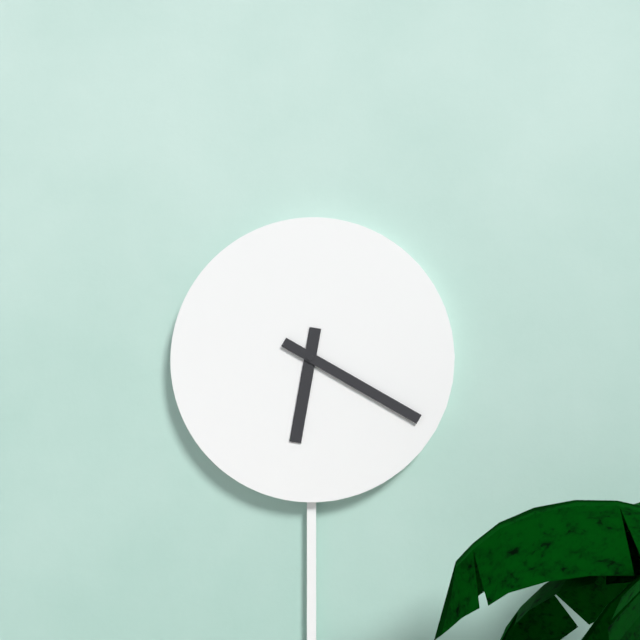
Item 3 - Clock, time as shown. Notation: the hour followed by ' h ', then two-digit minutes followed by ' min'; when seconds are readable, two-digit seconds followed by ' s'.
6 h 20 min
